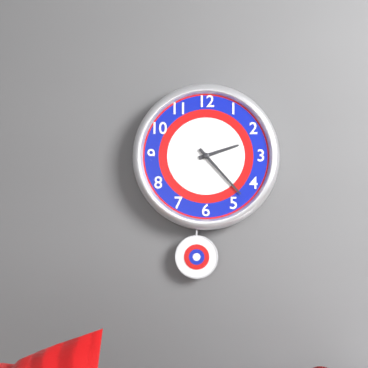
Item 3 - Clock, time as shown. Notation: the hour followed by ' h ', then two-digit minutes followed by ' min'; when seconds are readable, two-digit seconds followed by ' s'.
2 h 23 min
